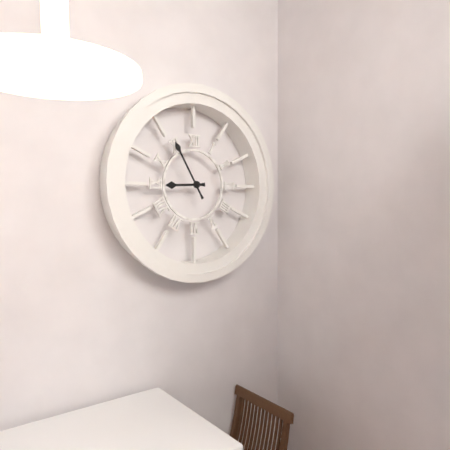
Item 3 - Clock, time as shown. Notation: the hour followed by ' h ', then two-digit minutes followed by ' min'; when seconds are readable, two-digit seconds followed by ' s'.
8 h 55 min
